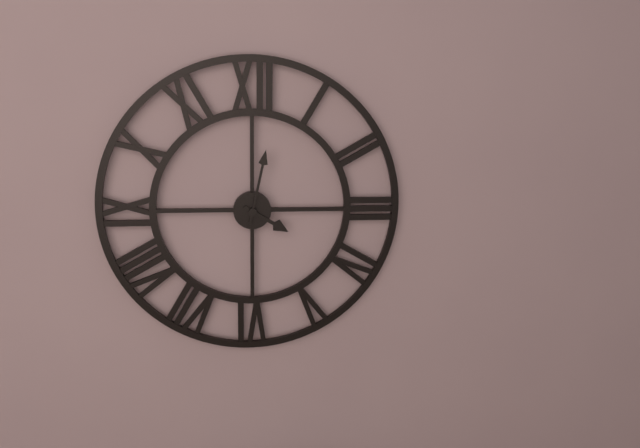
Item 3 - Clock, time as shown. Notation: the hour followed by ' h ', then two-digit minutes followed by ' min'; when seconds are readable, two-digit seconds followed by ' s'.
4 h 02 min
